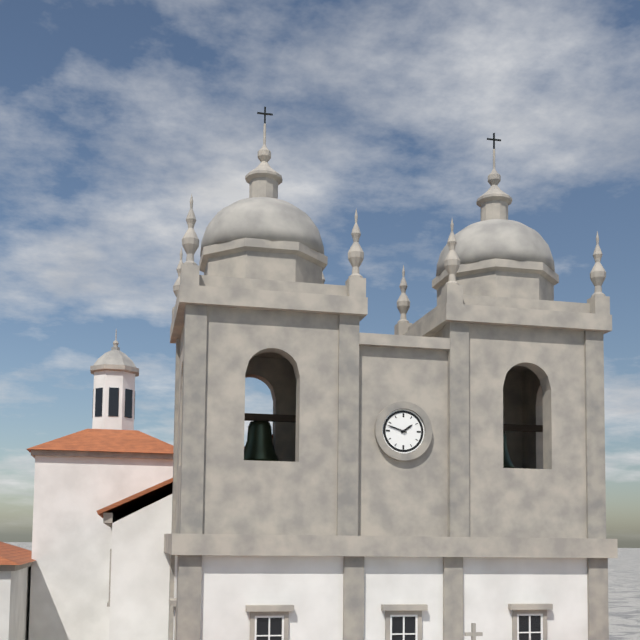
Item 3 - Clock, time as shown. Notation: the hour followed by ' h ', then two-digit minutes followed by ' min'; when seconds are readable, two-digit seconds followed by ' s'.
1 h 48 min
